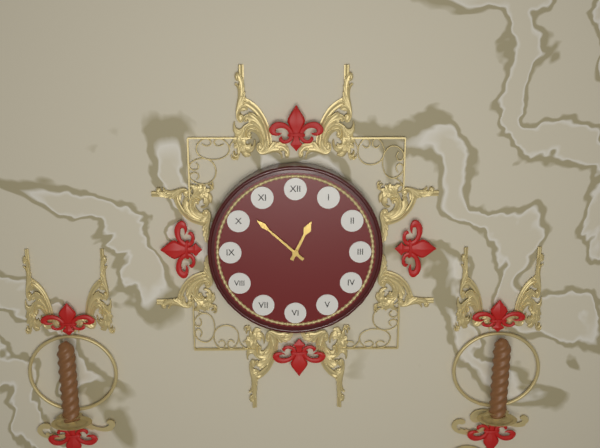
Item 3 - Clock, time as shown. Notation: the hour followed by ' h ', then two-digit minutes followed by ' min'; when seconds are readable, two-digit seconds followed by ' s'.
12 h 52 min
